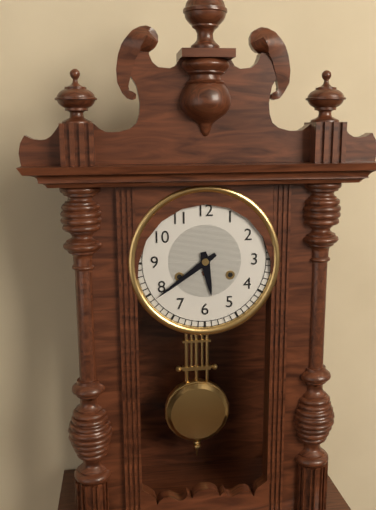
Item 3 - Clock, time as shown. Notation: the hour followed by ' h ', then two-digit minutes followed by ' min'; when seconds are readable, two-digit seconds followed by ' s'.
5 h 39 min
